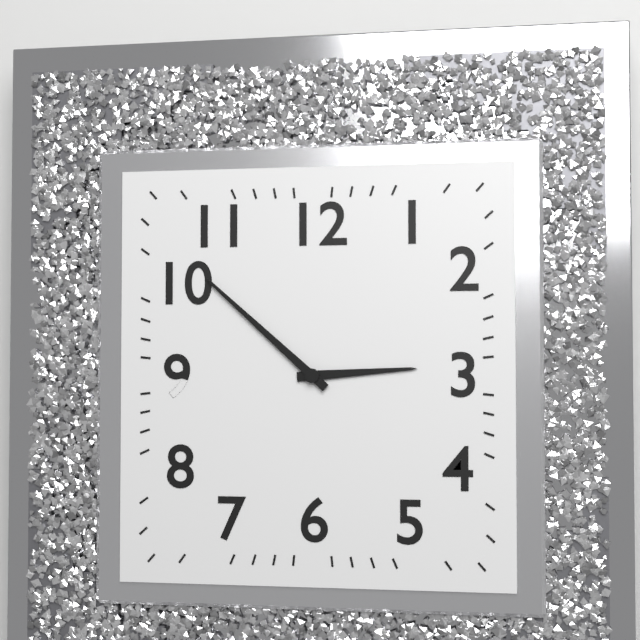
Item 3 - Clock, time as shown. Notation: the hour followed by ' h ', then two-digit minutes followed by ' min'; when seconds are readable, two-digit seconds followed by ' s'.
2 h 52 min
